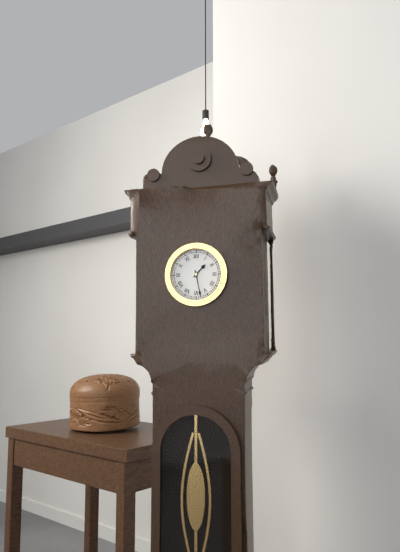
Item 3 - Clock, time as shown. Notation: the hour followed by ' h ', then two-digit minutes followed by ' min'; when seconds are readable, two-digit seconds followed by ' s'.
1 h 28 min
